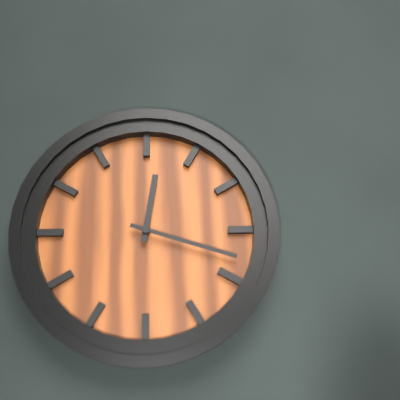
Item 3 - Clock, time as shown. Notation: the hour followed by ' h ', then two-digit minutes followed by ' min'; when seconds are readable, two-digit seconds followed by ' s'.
12 h 18 min
